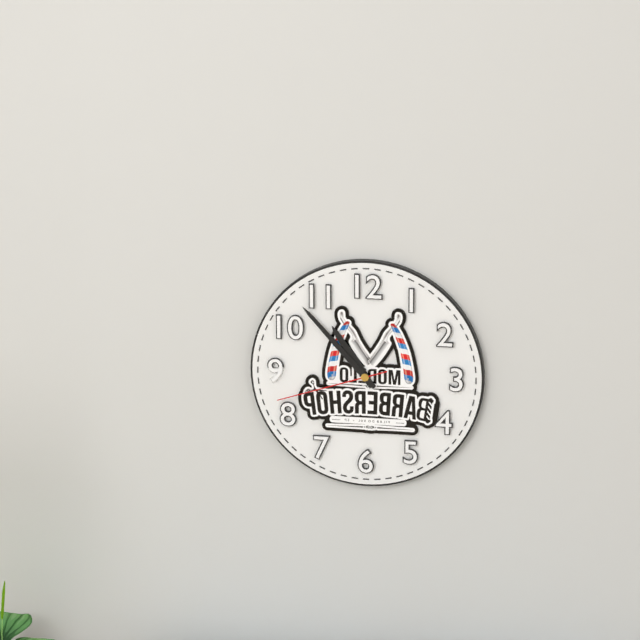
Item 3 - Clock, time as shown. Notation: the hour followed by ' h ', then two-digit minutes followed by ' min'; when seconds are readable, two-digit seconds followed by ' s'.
10 h 53 min 42 s
